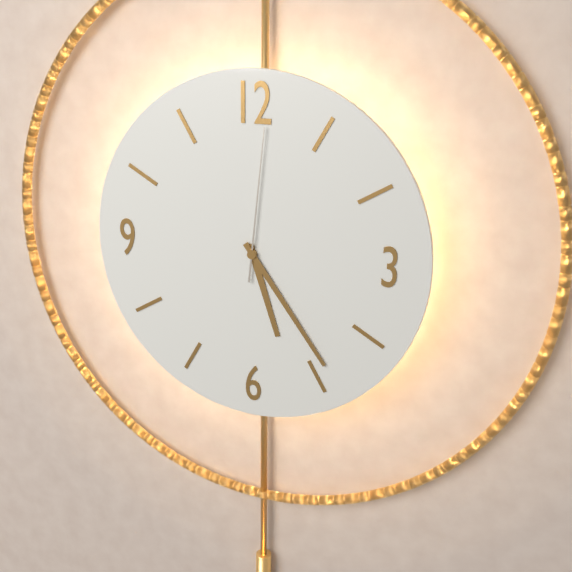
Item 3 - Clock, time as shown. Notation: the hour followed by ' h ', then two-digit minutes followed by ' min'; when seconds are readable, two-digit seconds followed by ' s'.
5 h 24 min 01 s
